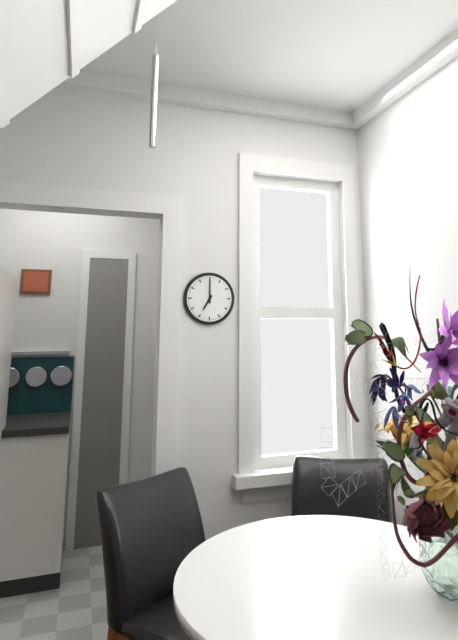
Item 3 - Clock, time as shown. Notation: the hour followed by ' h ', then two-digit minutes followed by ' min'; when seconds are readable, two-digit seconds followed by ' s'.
7 h 00 min
